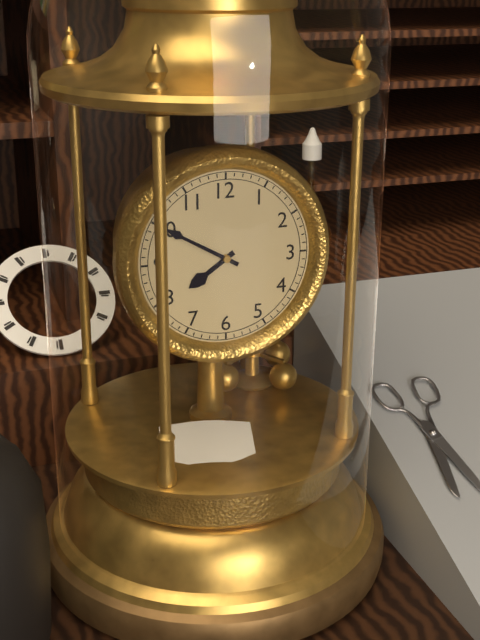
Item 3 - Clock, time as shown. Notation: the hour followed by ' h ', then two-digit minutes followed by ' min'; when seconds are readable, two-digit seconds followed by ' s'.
7 h 50 min
